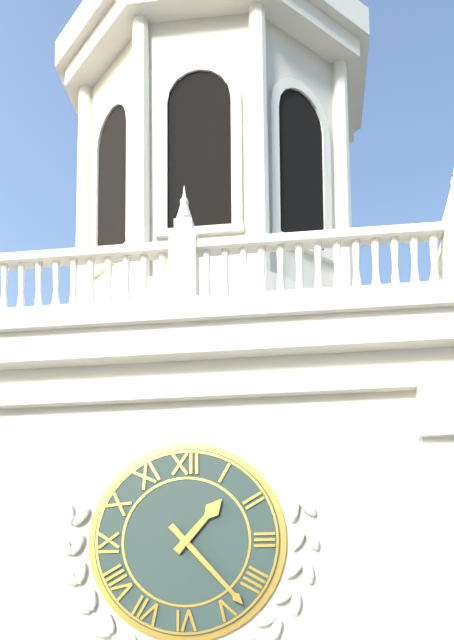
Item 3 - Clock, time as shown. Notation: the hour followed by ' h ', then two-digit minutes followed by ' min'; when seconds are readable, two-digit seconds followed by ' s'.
1 h 23 min
